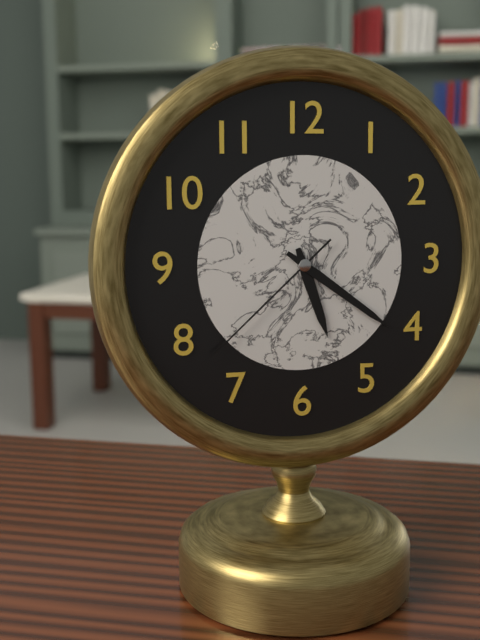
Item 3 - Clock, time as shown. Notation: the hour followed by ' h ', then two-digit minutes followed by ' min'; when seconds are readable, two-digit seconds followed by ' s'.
5 h 21 min 38 s
